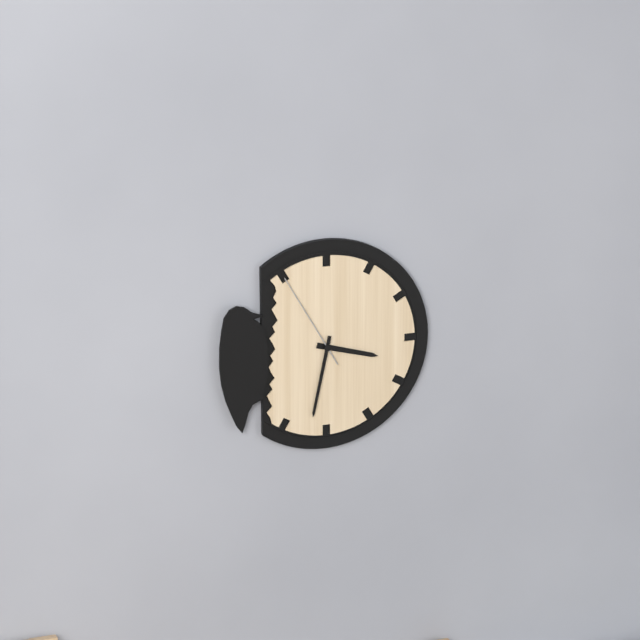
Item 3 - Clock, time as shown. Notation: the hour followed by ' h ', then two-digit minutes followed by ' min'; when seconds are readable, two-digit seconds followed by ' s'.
3 h 32 min 55 s
